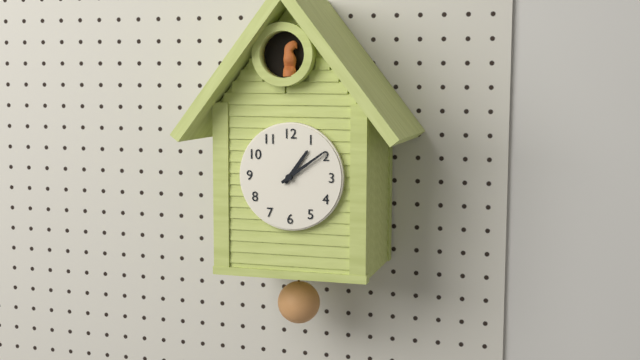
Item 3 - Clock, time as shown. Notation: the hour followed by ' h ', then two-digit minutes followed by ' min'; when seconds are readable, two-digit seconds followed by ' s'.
1 h 09 min
